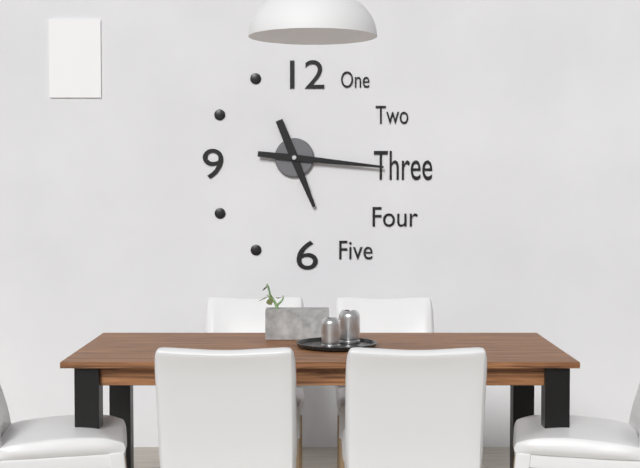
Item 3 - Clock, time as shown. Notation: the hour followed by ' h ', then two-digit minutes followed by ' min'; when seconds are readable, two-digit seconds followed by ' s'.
5 h 16 min
